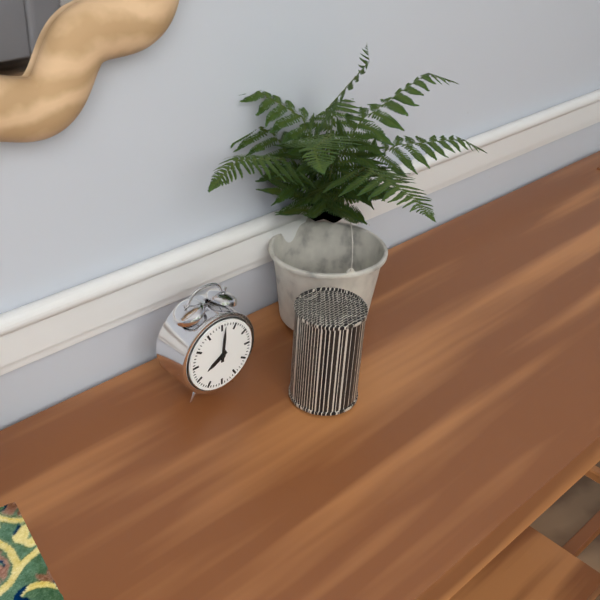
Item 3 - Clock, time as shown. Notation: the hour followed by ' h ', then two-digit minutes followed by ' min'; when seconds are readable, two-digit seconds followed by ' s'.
8 h 01 min
